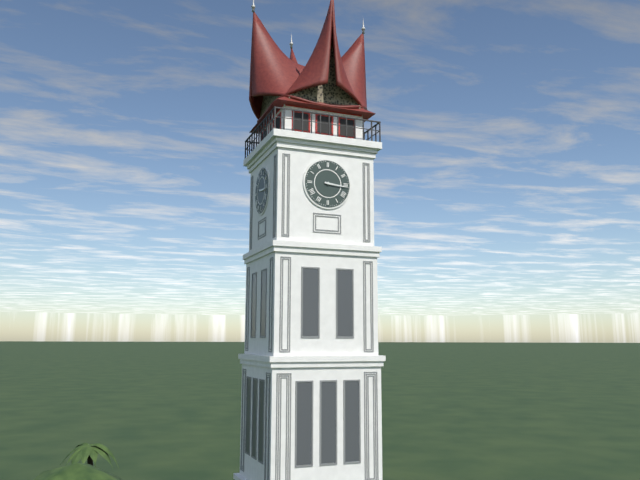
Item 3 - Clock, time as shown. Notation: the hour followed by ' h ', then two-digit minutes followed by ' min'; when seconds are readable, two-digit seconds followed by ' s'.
3 h 16 min
